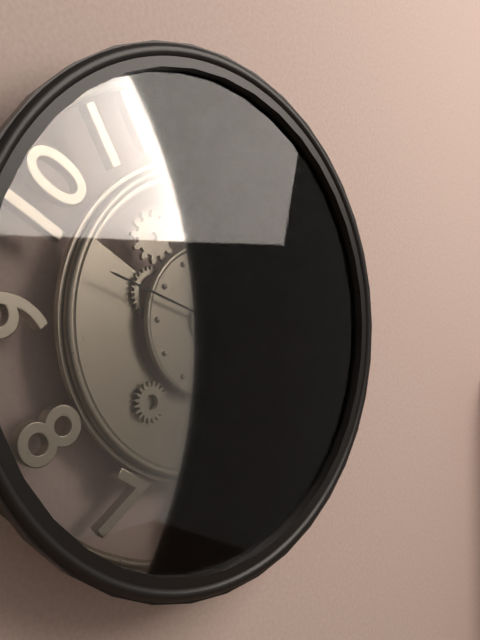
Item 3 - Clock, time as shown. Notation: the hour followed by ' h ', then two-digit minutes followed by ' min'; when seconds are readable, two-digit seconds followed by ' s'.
12 h 08 min 48 s
